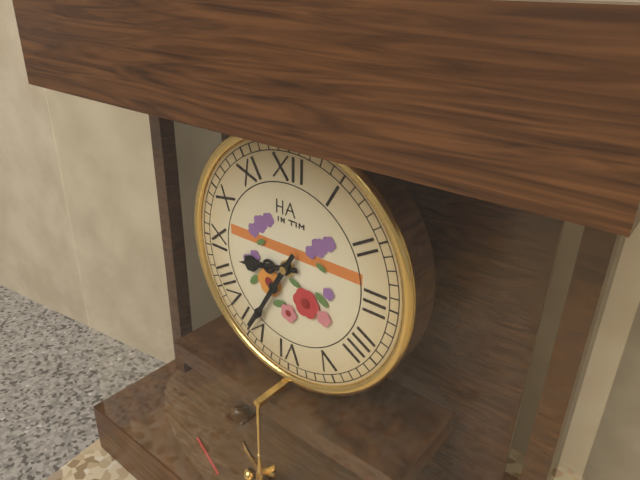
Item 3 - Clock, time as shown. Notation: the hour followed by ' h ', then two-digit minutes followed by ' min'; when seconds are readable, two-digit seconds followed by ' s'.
8 h 35 min
